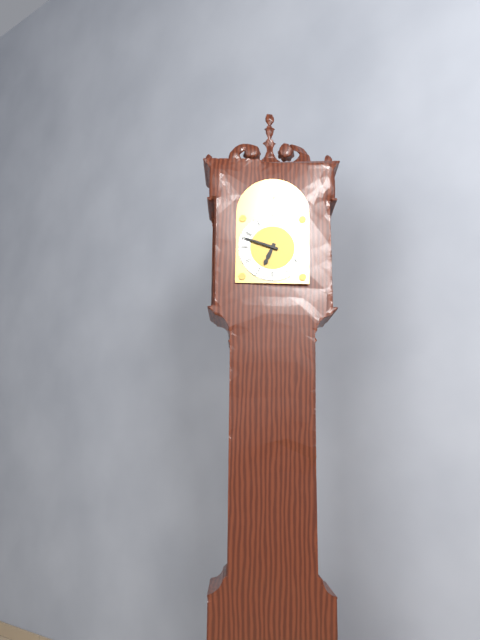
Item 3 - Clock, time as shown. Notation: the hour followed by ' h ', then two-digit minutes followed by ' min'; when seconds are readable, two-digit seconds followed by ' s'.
6 h 48 min
